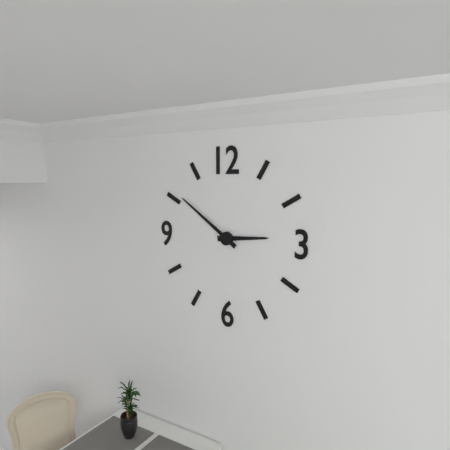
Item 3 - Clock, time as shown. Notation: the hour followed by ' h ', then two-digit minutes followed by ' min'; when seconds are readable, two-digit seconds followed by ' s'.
2 h 51 min
